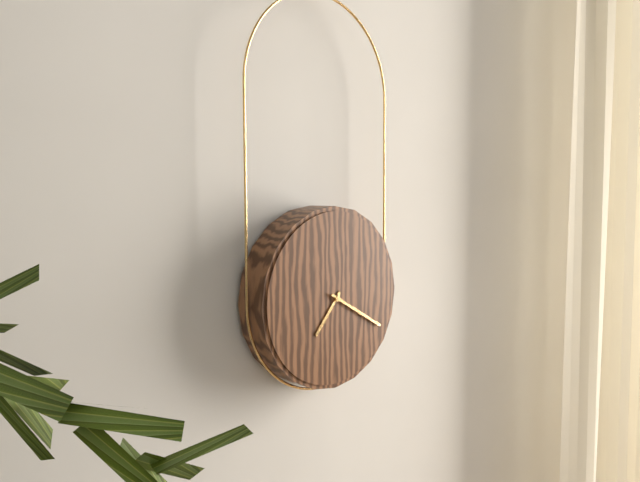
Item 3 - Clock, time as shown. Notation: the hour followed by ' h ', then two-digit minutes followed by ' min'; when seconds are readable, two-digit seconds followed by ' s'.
7 h 20 min
